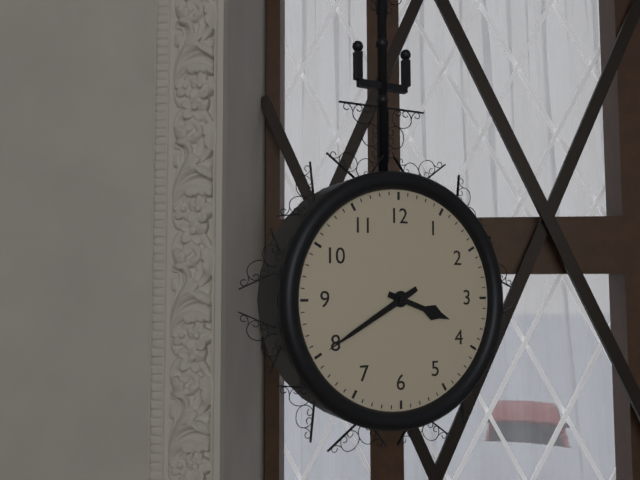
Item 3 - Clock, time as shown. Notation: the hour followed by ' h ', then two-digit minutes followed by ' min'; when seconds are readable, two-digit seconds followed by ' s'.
3 h 40 min
